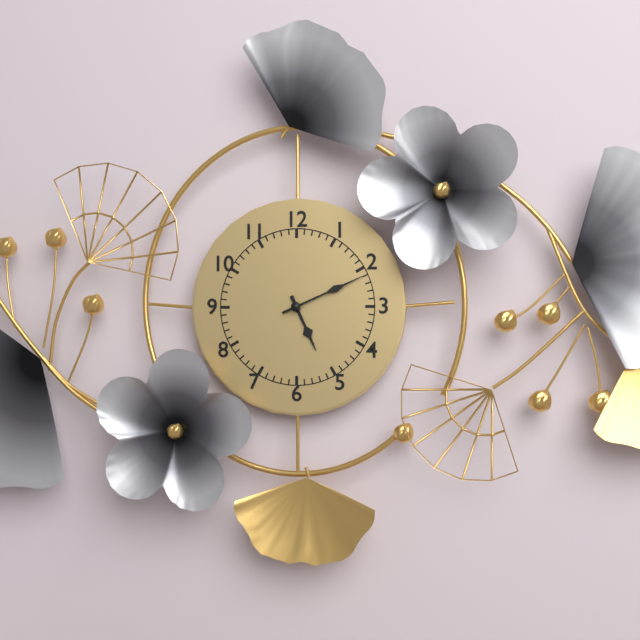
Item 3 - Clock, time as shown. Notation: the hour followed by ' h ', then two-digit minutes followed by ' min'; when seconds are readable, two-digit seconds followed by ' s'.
5 h 11 min
